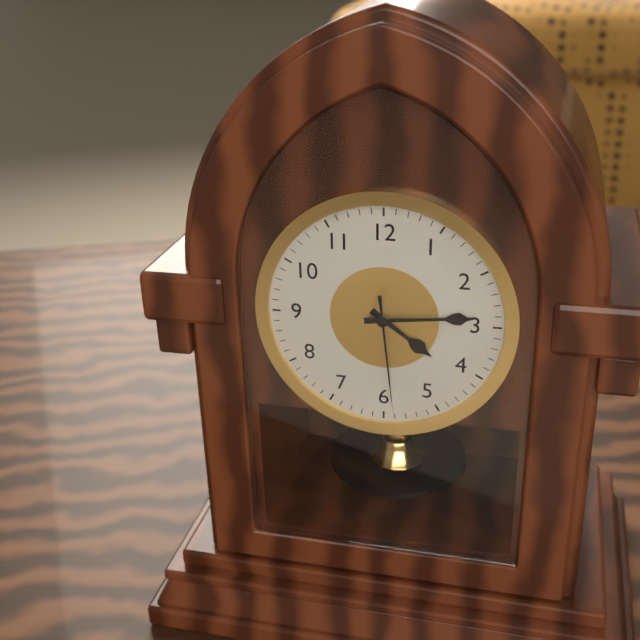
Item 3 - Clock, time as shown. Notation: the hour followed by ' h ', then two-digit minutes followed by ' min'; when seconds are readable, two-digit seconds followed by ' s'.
4 h 14 min 29 s
